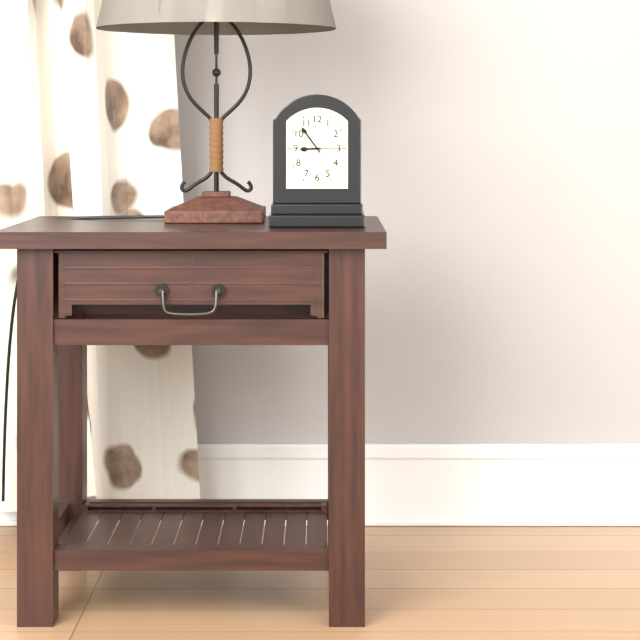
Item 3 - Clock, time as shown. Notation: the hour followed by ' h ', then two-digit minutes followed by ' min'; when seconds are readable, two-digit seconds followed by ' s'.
8 h 54 min
